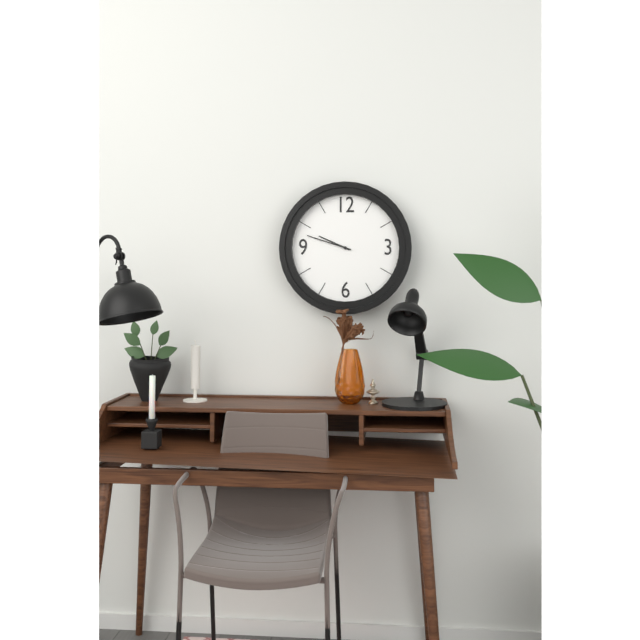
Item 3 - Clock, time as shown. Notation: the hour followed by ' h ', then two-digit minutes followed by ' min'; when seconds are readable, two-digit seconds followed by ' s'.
9 h 48 min
